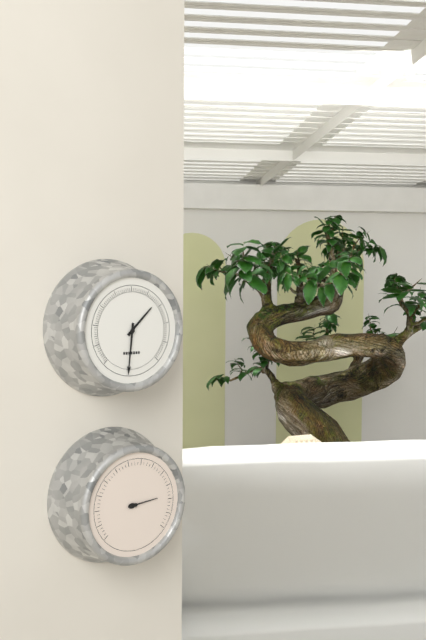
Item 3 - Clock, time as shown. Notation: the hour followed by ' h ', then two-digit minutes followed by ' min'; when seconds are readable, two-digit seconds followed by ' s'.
1 h 31 min
